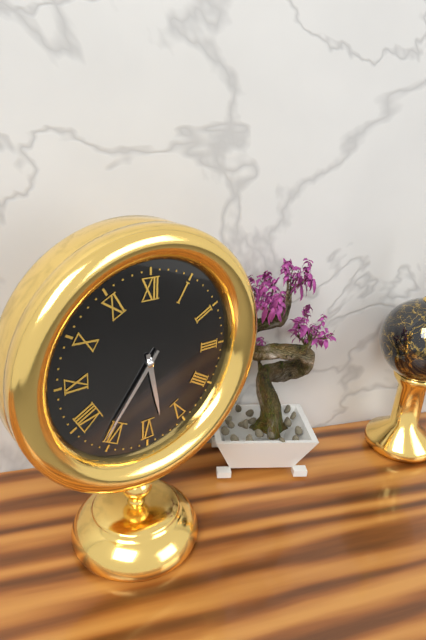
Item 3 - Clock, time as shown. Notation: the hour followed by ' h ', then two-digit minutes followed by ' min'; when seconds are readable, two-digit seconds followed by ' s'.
5 h 36 min
